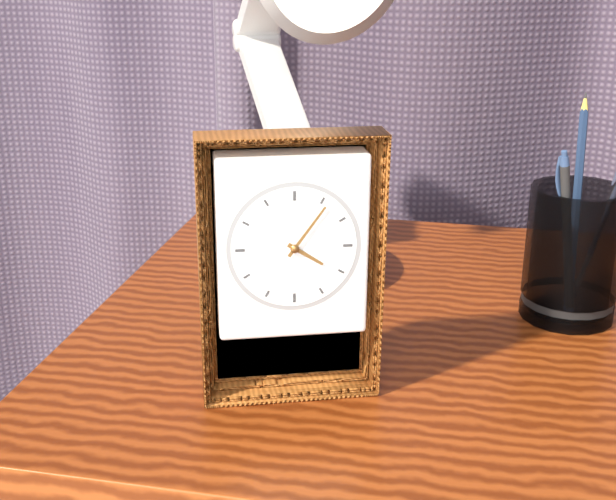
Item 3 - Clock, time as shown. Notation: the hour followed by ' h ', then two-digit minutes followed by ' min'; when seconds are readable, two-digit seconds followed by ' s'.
4 h 06 min
